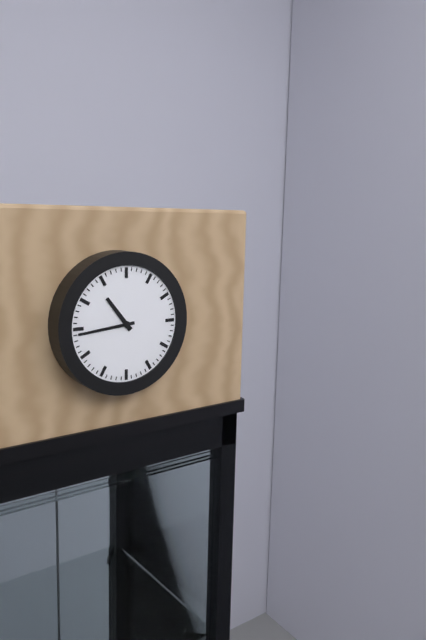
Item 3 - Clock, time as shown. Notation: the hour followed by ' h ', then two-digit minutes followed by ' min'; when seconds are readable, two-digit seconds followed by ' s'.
10 h 44 min
